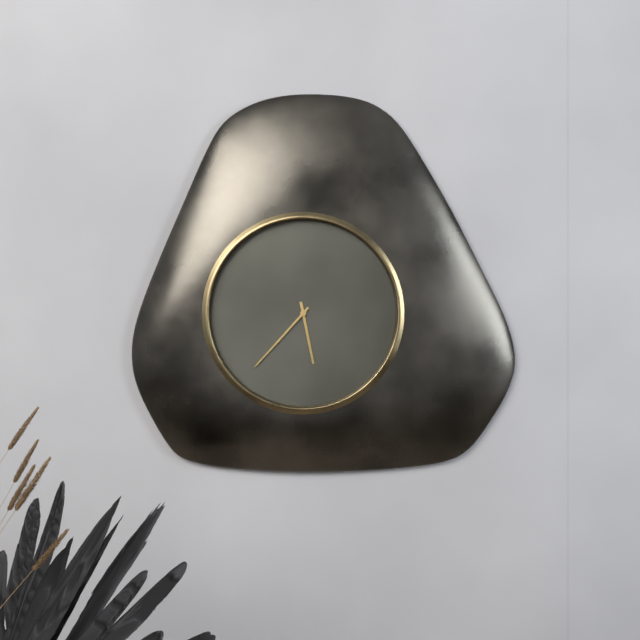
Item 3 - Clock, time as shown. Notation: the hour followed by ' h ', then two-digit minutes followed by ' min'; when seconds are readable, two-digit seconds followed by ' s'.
5 h 37 min
